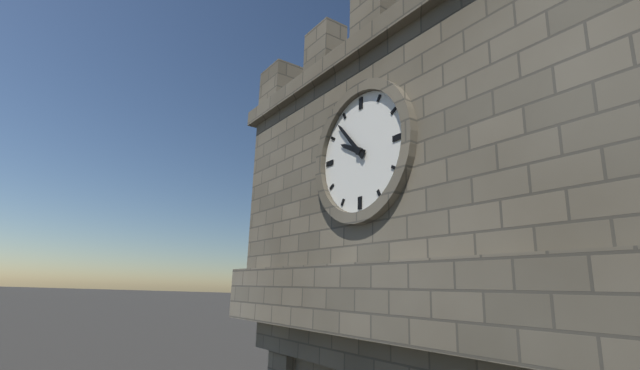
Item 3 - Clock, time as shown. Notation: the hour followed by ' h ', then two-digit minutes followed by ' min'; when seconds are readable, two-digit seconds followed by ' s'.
9 h 53 min
